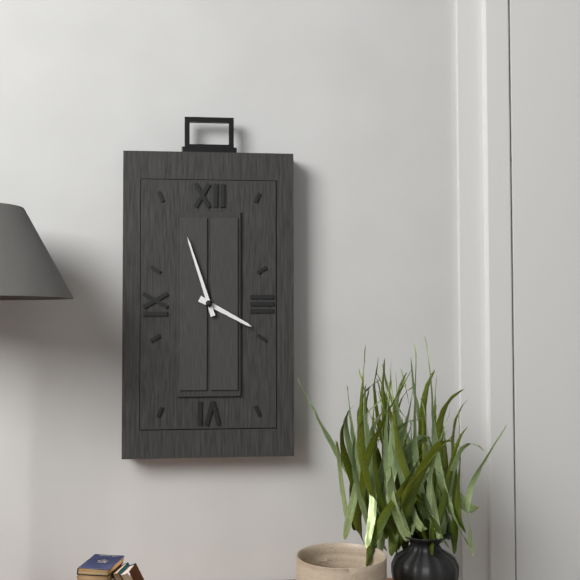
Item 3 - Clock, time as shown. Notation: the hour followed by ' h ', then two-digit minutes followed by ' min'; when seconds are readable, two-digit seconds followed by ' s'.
3 h 57 min
